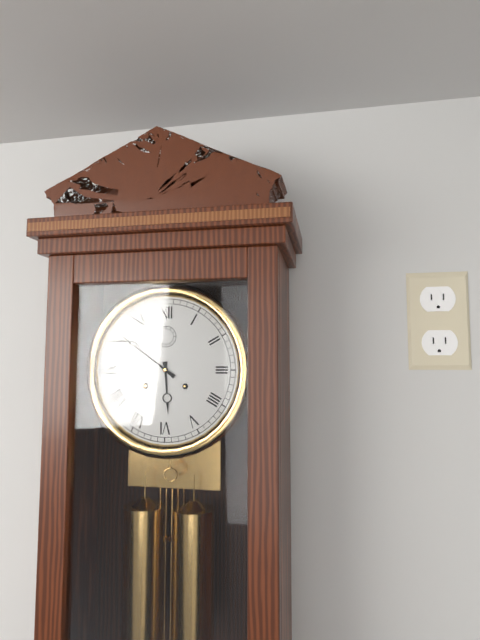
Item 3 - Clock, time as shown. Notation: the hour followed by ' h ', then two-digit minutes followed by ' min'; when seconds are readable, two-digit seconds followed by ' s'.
5 h 51 min
